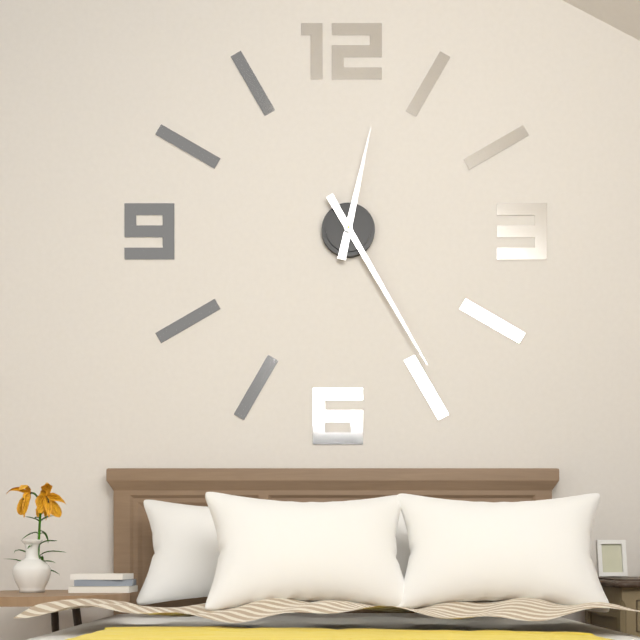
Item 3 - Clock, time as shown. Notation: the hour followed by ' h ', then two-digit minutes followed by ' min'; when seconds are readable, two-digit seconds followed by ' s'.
12 h 25 min
